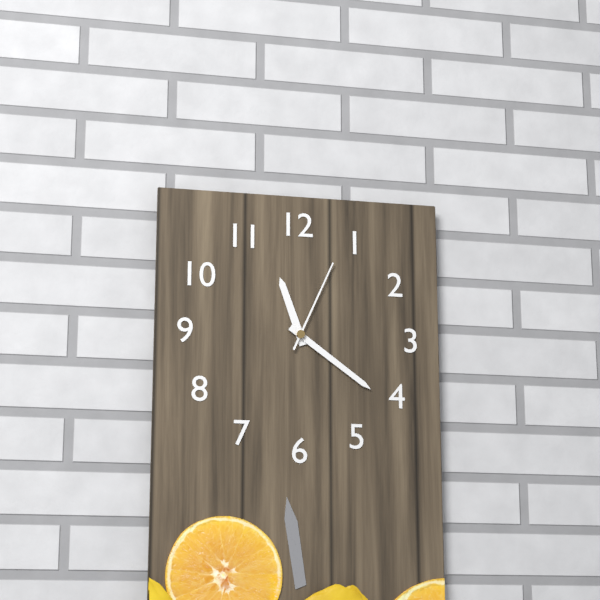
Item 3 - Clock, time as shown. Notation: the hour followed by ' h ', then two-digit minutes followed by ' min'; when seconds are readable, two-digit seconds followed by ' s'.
11 h 21 min 04 s
